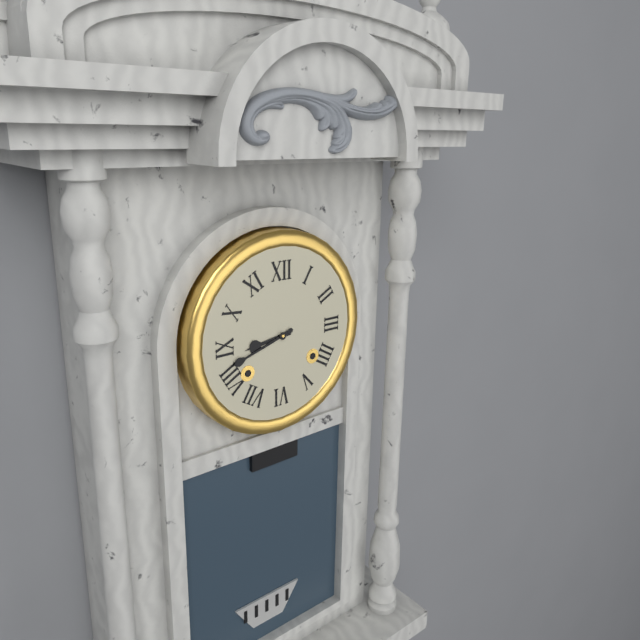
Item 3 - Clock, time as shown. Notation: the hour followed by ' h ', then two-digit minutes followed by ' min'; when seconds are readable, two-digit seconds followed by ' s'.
8 h 42 min
